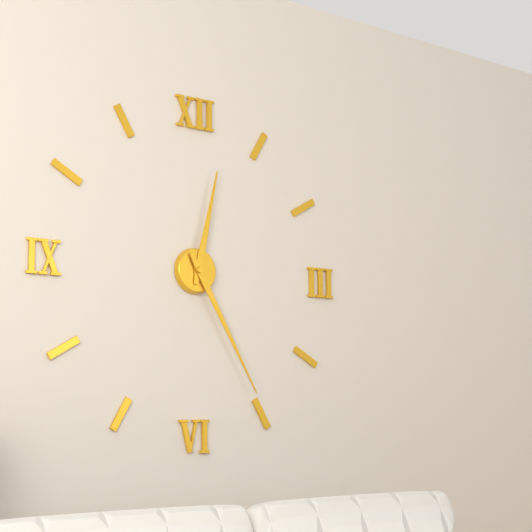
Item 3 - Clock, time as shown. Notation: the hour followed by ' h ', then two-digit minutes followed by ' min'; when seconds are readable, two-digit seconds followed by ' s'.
12 h 25 min
